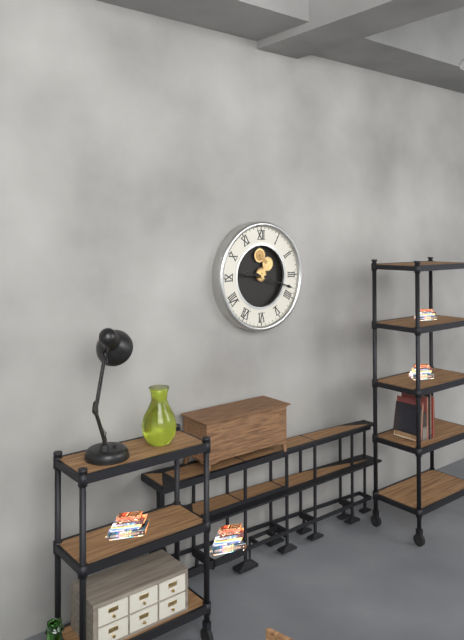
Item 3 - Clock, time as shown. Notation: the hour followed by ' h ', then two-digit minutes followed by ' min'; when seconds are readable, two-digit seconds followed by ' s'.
9 h 18 min
